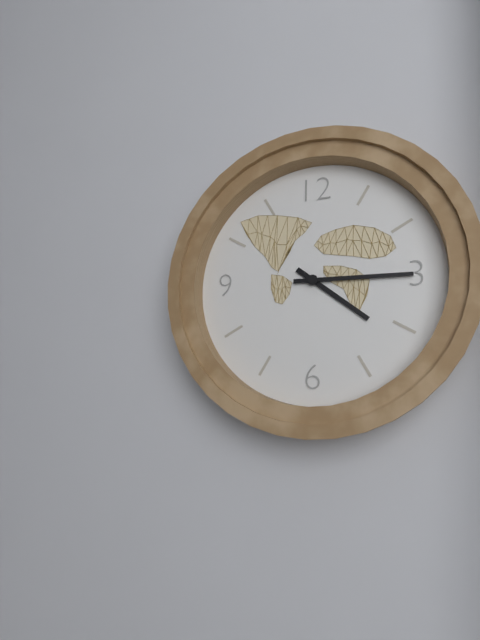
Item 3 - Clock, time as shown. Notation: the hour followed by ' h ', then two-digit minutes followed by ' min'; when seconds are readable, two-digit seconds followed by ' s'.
4 h 15 min
